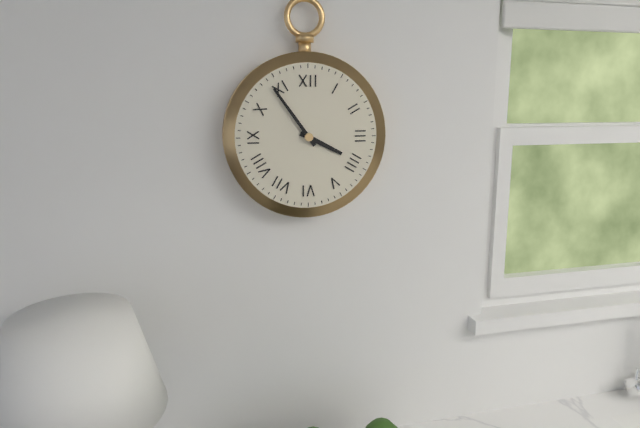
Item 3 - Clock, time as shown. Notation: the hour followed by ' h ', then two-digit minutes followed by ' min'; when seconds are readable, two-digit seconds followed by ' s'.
3 h 54 min
